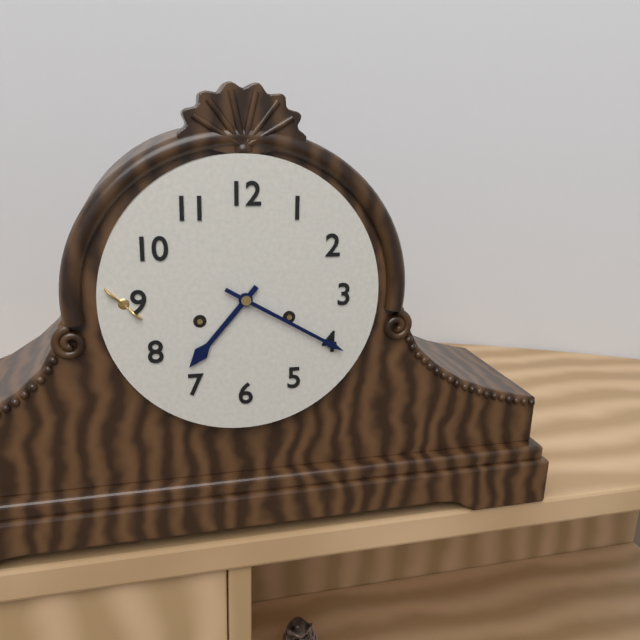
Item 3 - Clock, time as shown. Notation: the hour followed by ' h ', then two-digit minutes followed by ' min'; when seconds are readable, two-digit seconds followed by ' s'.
7 h 20 min
